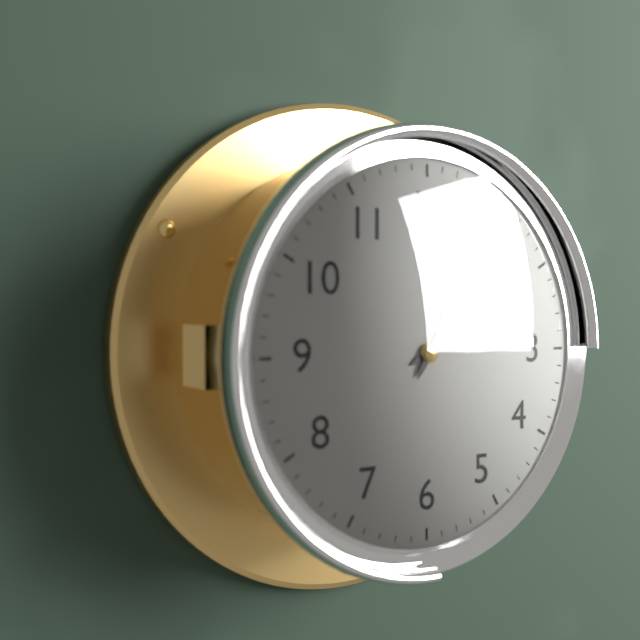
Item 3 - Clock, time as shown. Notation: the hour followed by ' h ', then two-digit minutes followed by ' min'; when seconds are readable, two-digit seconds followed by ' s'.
2 h 05 min
